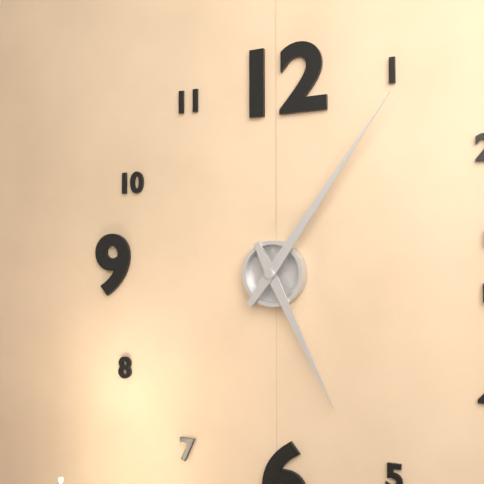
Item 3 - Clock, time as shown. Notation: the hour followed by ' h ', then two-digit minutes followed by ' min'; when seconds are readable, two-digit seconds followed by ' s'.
5 h 06 min
